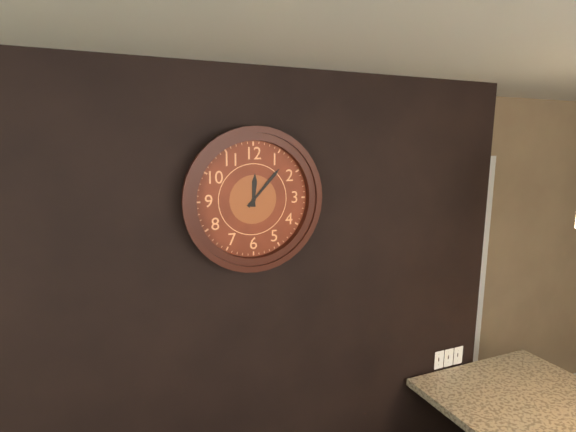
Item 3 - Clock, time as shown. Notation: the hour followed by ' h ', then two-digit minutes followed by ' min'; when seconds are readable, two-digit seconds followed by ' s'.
12 h 07 min
